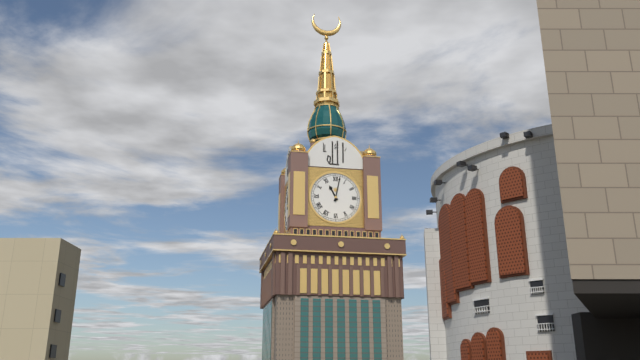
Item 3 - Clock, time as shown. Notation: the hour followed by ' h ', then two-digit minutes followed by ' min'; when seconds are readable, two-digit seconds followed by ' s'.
11 h 02 min
